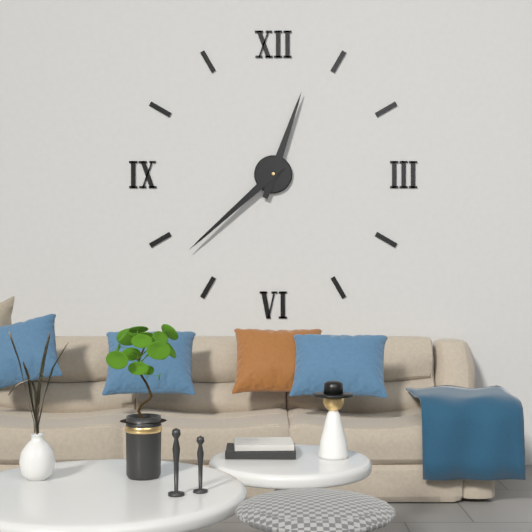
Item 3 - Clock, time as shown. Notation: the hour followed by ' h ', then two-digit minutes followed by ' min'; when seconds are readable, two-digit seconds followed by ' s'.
12 h 38 min
